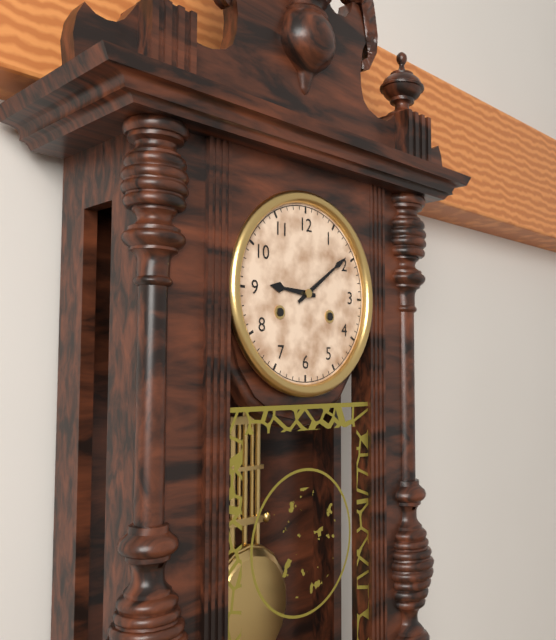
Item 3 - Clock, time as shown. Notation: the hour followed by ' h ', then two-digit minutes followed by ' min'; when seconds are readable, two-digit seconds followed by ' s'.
9 h 09 min
